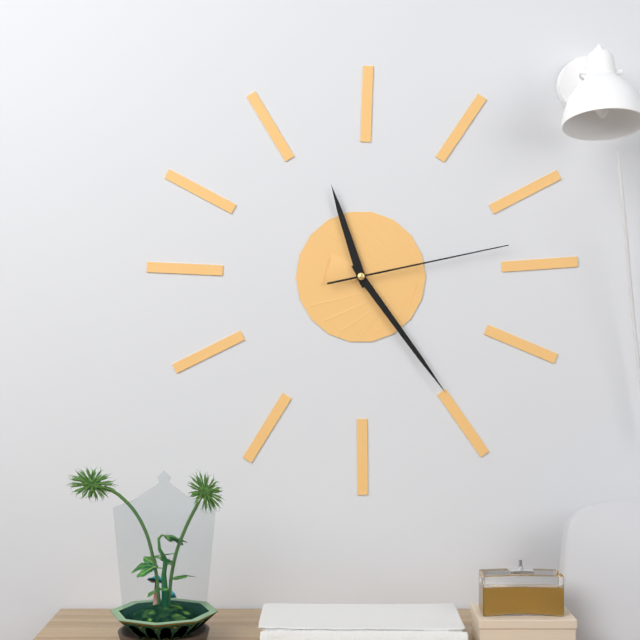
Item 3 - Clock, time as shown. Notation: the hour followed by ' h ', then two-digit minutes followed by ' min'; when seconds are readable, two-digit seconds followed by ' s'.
11 h 24 min 13 s
